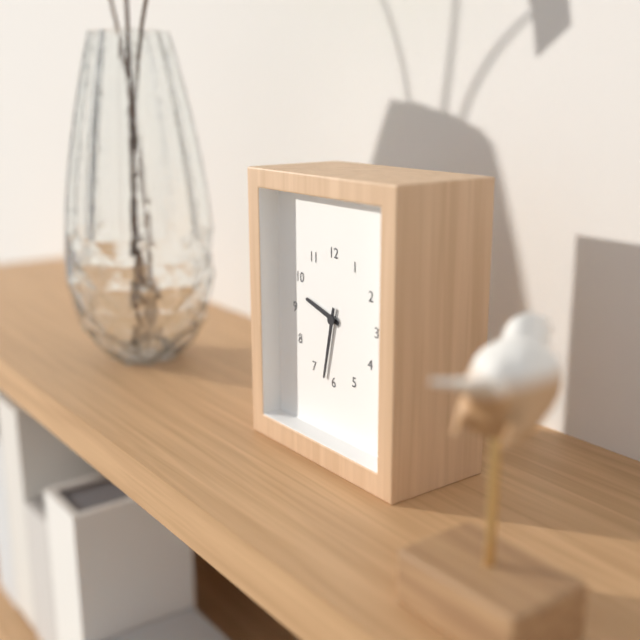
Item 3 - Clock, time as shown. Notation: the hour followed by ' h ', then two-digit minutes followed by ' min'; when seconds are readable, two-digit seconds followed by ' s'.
9 h 32 min
